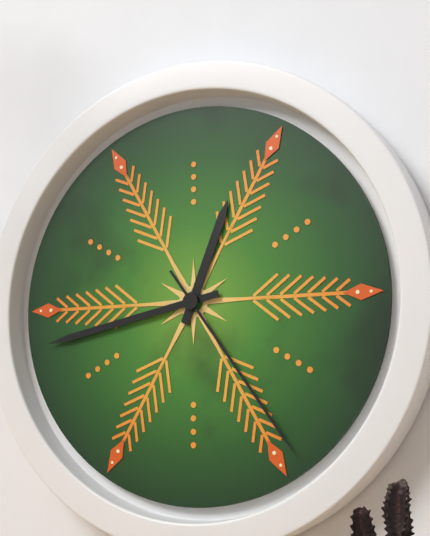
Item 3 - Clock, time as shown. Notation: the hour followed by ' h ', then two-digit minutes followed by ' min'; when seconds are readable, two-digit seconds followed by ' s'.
12 h 43 min 24 s
